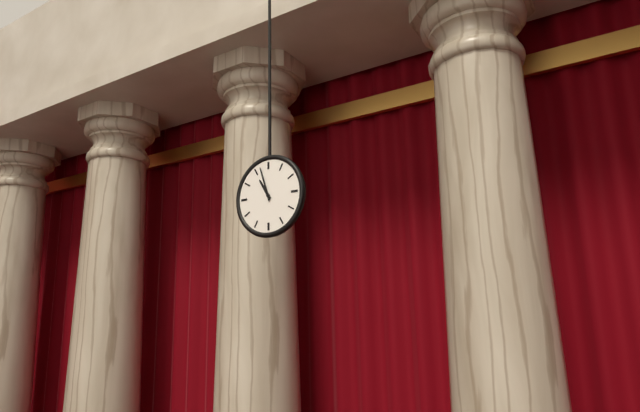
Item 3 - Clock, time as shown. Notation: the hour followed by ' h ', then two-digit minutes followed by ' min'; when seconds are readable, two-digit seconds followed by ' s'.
10 h 57 min
